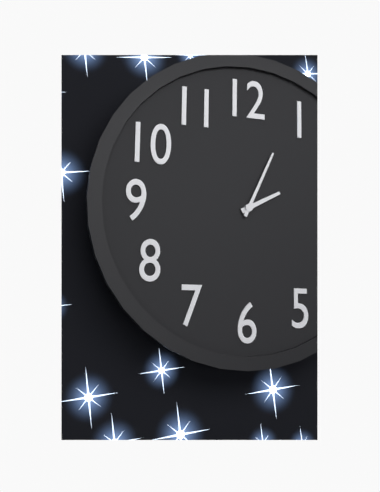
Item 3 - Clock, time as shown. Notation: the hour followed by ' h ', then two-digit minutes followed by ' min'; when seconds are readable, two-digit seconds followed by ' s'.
2 h 04 min
